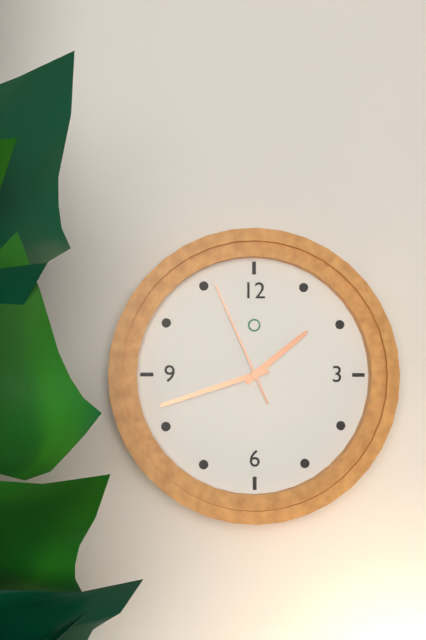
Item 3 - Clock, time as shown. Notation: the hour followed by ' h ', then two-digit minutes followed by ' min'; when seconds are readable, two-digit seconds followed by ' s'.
1 h 42 min 56 s
